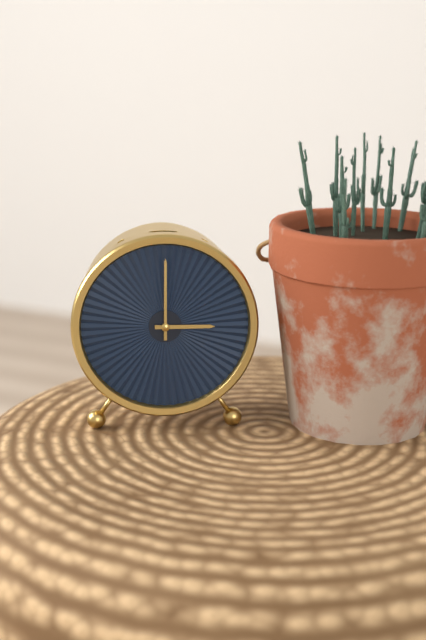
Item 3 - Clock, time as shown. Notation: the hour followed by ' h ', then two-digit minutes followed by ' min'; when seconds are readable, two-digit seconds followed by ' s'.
3 h 00 min
